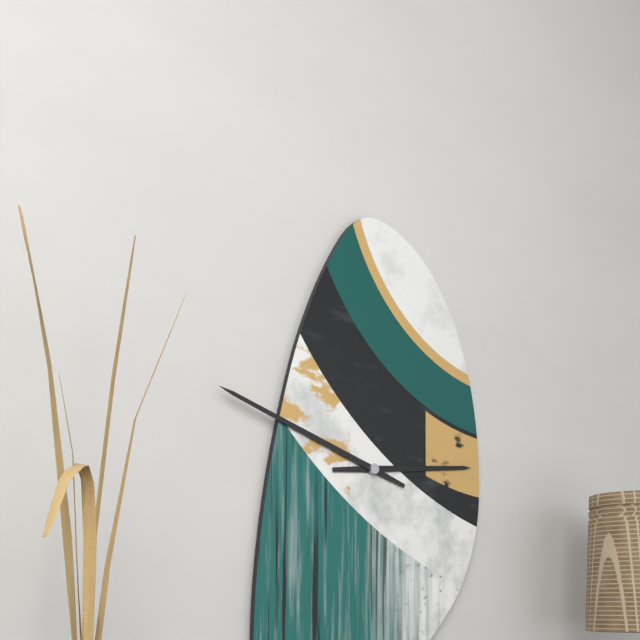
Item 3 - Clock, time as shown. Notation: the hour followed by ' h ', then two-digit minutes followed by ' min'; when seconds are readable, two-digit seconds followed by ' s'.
2 h 48 min
